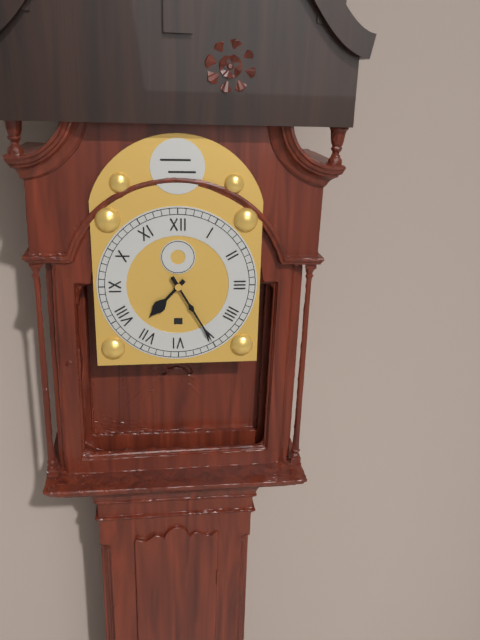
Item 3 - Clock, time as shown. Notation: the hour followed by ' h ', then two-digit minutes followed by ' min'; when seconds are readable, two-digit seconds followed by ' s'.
7 h 25 min
